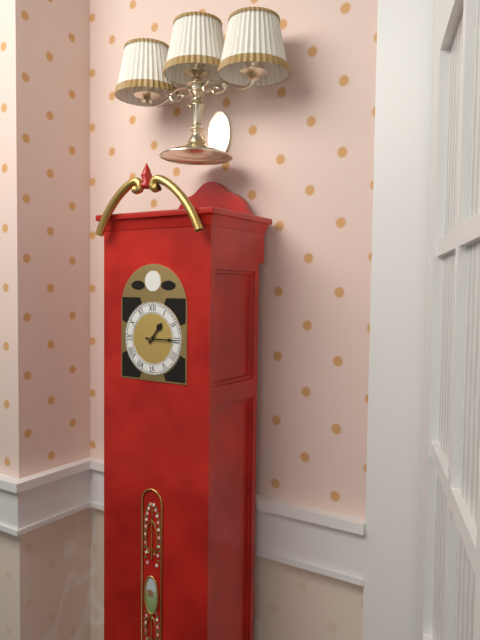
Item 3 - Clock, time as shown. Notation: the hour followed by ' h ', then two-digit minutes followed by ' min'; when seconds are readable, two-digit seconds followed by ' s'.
1 h 15 min
